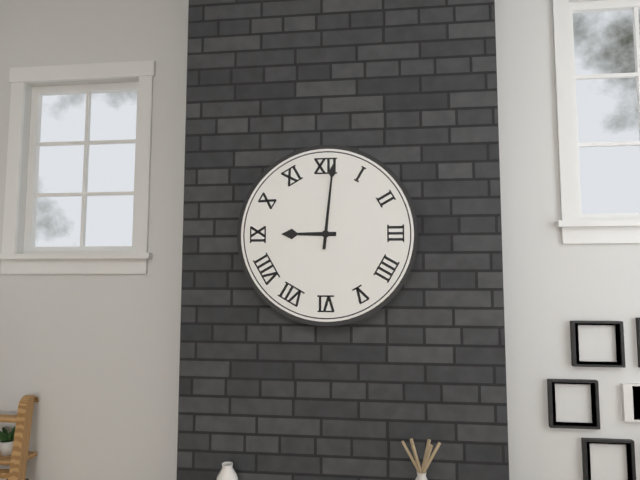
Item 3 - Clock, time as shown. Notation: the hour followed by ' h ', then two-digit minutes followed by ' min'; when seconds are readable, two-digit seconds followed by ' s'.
9 h 01 min
